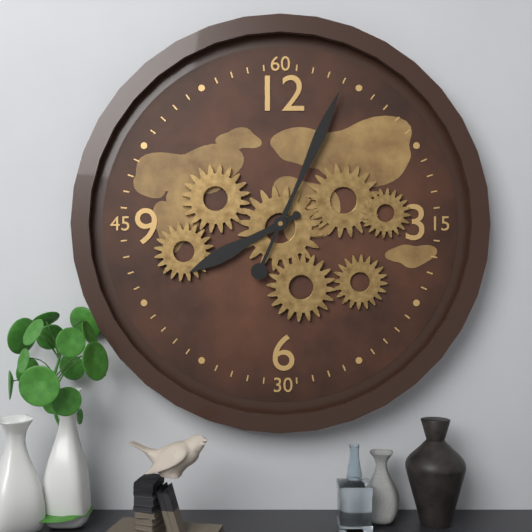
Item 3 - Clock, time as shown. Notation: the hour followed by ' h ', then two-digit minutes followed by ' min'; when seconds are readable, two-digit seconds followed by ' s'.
8 h 04 min
